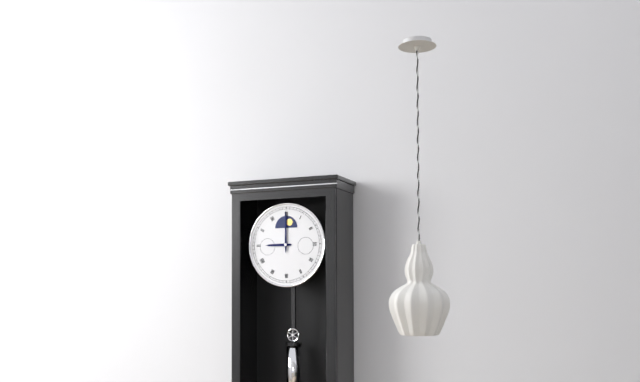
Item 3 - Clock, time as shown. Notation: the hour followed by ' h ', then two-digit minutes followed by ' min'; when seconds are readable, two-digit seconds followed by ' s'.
9 h 00 min
